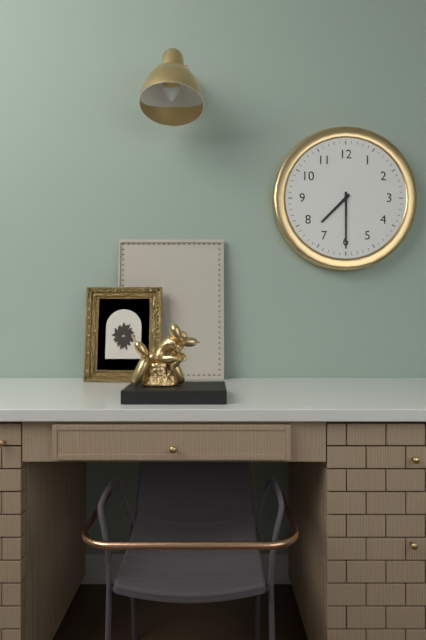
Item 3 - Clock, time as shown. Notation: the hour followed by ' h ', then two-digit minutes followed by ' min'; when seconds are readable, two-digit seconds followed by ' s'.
7 h 30 min
